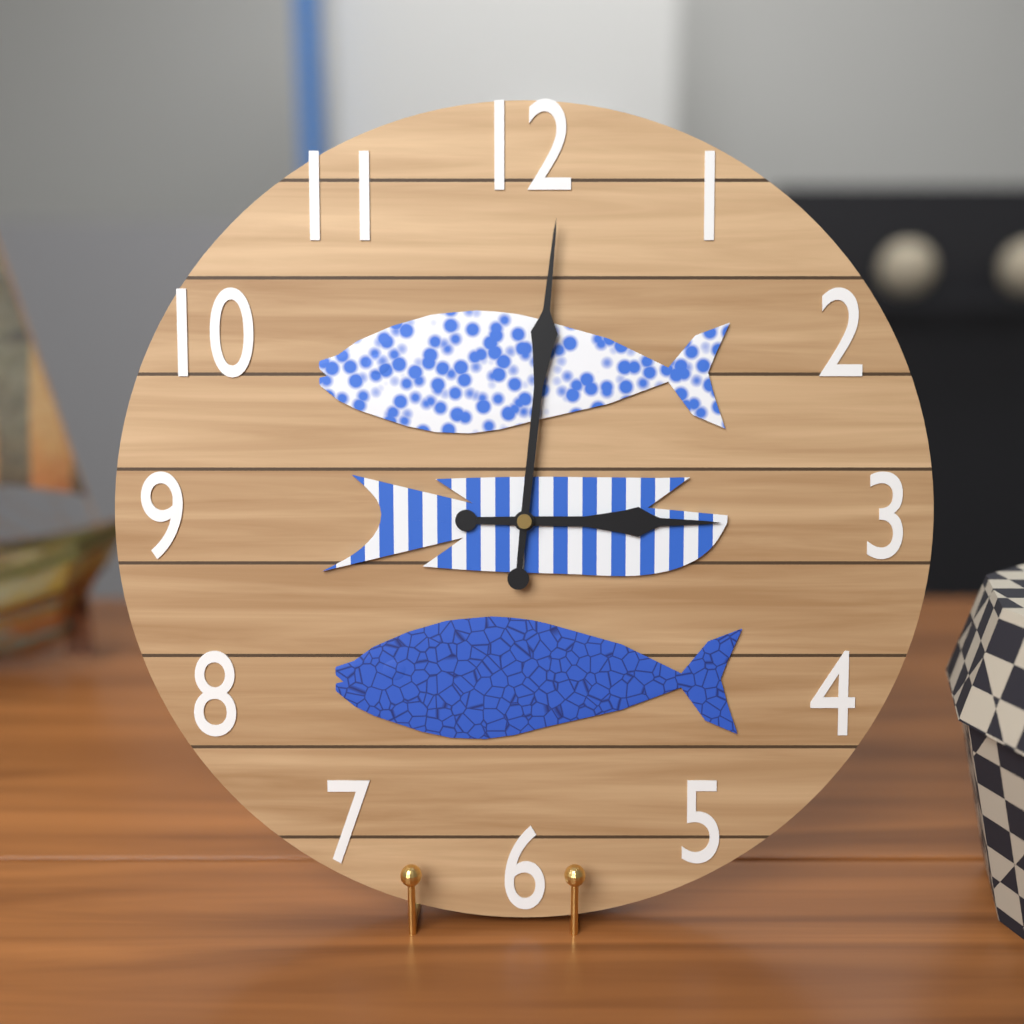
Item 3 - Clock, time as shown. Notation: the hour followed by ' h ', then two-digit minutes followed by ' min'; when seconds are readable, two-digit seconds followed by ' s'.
3 h 01 min
